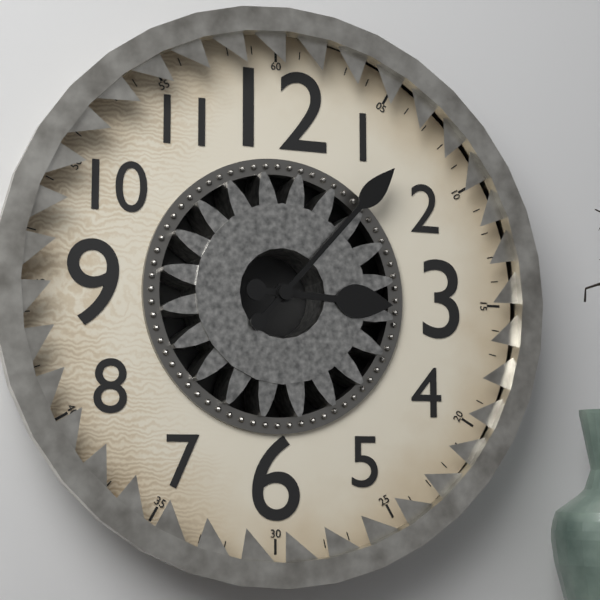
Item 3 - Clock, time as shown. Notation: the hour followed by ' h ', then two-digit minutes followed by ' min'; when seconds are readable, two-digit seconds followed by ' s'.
3 h 07 min
